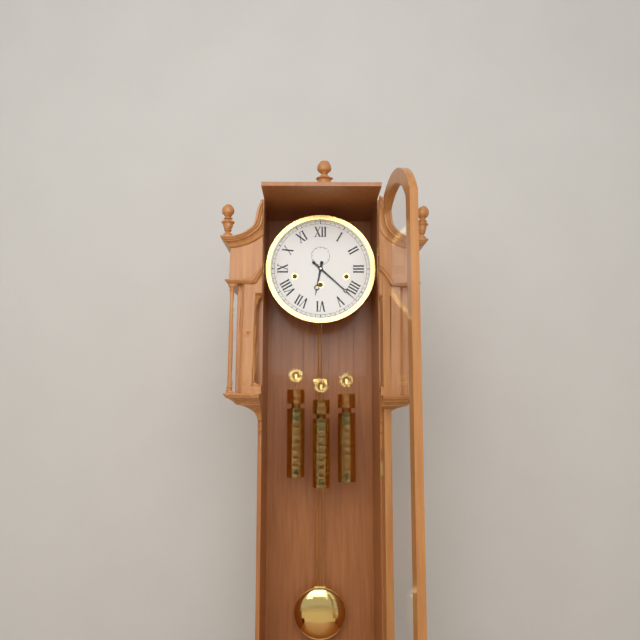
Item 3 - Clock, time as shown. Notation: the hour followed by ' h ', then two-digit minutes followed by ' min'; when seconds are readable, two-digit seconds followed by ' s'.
6 h 22 min
